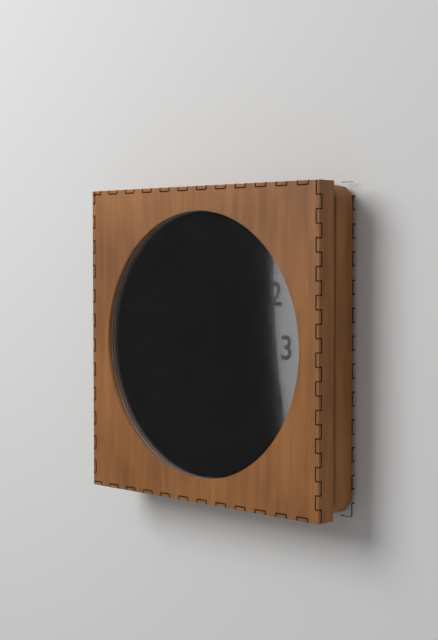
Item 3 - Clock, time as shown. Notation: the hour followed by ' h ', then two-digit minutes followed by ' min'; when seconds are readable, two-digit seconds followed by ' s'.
5 h 08 min
